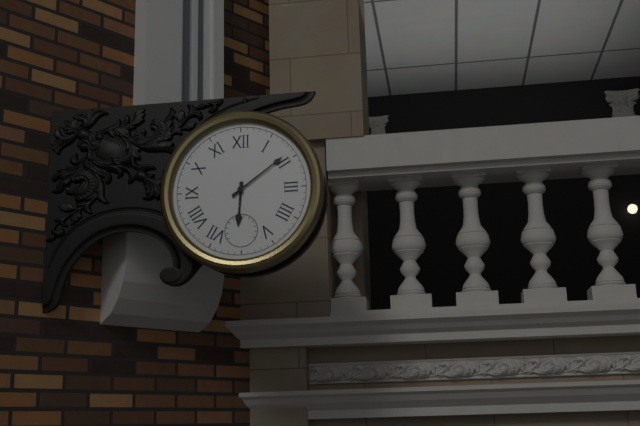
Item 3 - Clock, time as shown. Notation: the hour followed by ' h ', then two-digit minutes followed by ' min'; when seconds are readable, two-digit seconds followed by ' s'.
6 h 09 min
